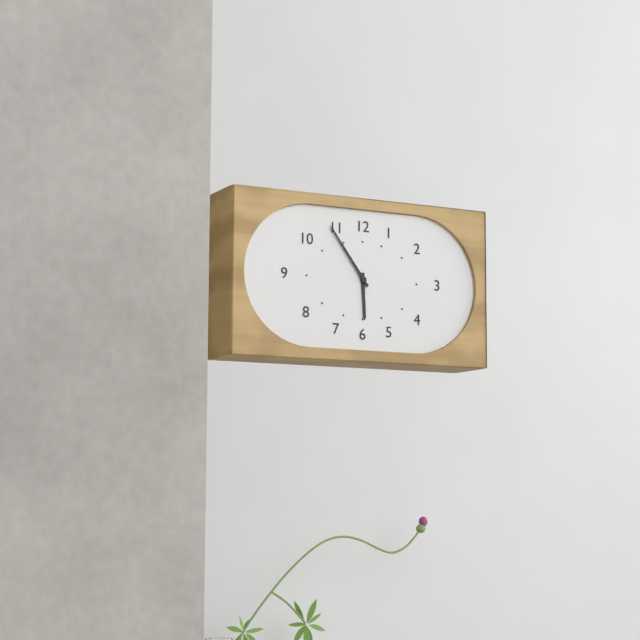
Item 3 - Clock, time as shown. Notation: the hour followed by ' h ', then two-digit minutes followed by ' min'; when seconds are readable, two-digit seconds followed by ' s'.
5 h 54 min
